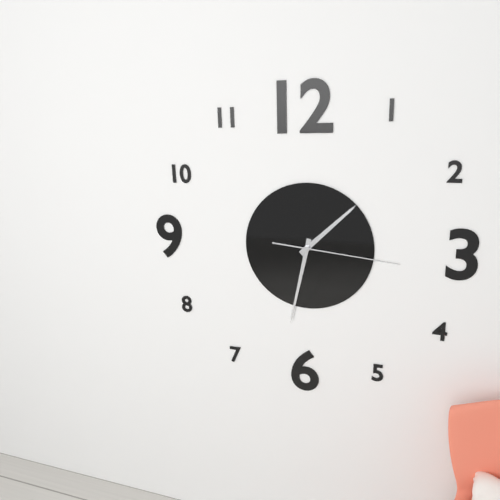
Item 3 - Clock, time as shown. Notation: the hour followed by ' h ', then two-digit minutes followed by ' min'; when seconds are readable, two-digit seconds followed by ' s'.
1 h 32 min 16 s
